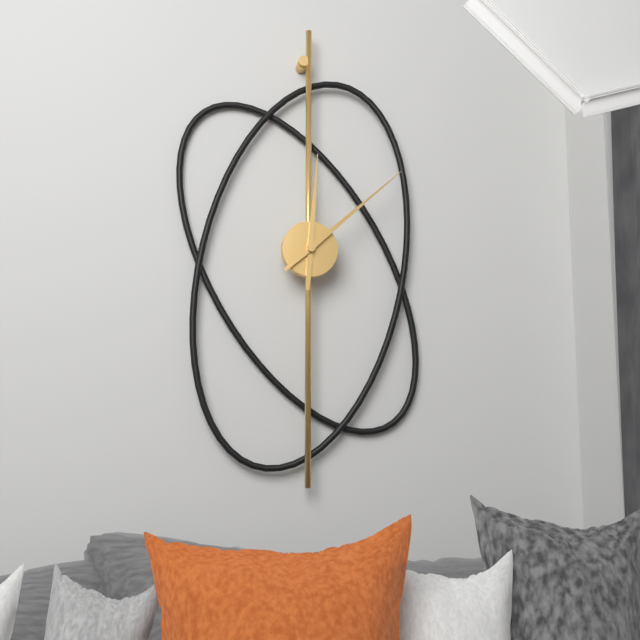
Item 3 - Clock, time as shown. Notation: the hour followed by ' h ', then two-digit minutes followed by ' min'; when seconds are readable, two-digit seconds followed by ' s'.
12 h 08 min
